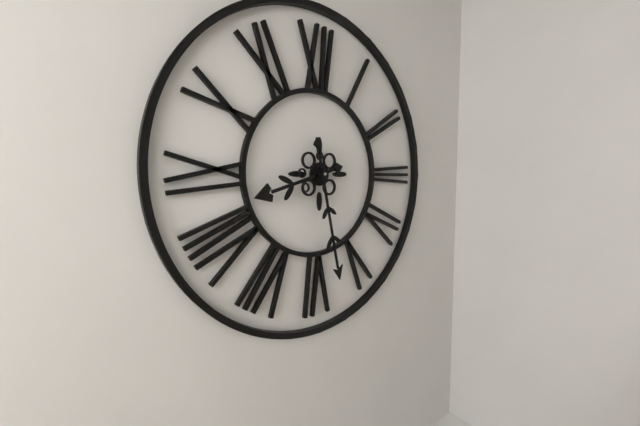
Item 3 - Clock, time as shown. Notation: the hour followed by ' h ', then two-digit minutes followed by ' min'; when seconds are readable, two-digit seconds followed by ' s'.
8 h 28 min
